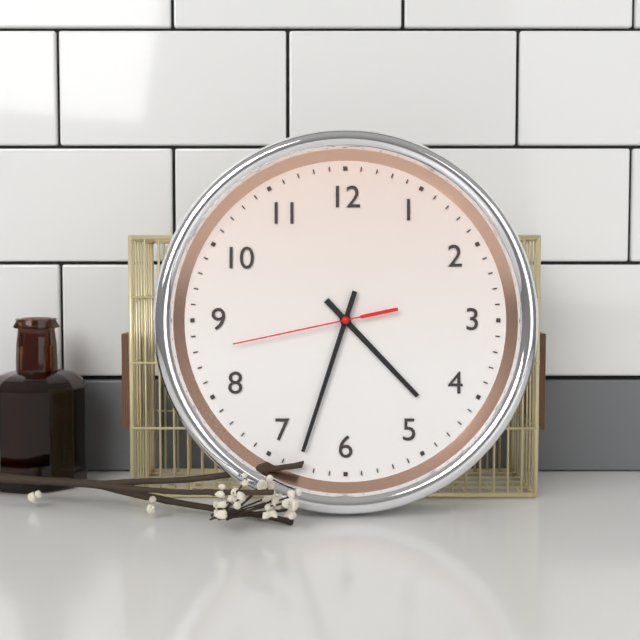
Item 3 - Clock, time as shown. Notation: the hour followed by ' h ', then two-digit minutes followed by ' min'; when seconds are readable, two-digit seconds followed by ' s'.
4 h 33 min 43 s
